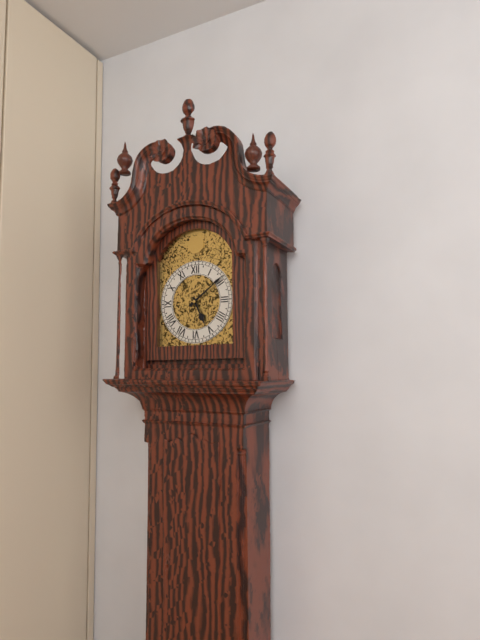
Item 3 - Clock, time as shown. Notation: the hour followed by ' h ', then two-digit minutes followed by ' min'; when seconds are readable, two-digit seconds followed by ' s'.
5 h 09 min
